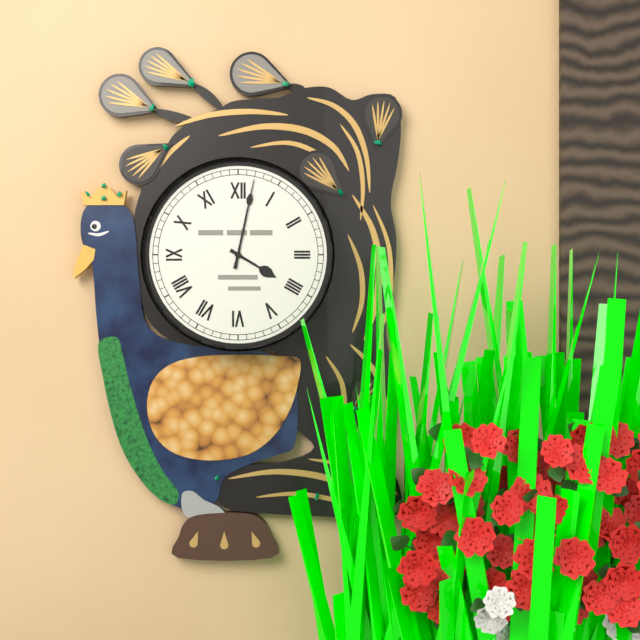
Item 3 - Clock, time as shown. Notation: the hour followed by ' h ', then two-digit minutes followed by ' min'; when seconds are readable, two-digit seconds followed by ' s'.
4 h 02 min
